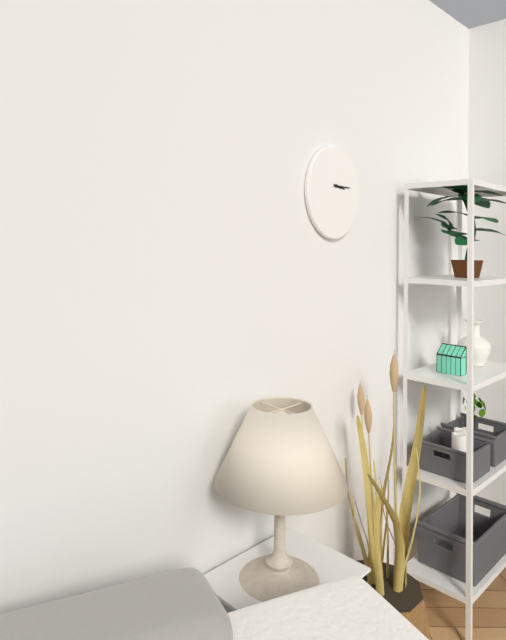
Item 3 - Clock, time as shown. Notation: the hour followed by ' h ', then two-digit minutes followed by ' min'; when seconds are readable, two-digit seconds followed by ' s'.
3 h 15 min
